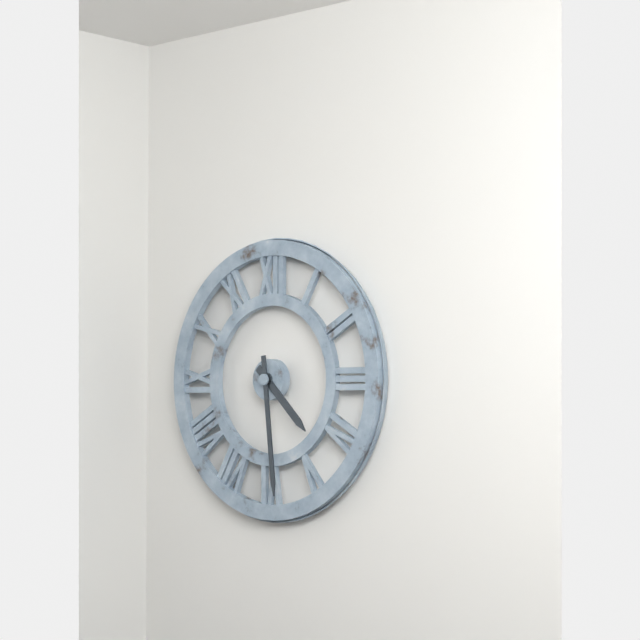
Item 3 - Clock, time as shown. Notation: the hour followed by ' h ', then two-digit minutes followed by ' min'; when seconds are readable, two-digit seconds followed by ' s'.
4 h 29 min
